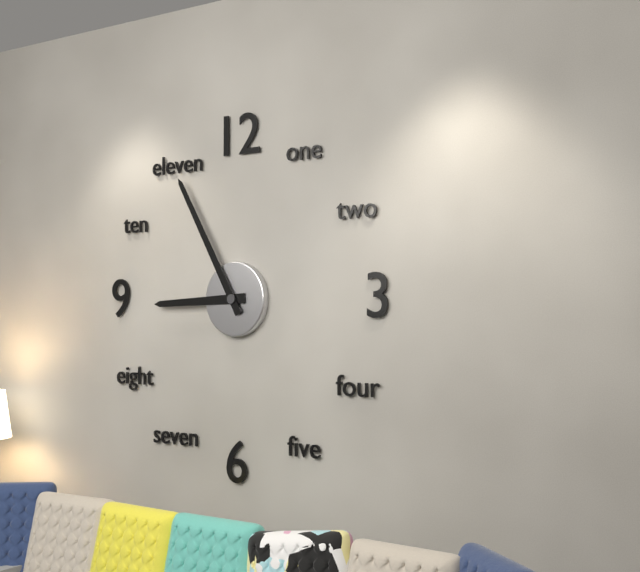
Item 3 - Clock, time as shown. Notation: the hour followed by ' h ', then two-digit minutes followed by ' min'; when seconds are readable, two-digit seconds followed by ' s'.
8 h 55 min
